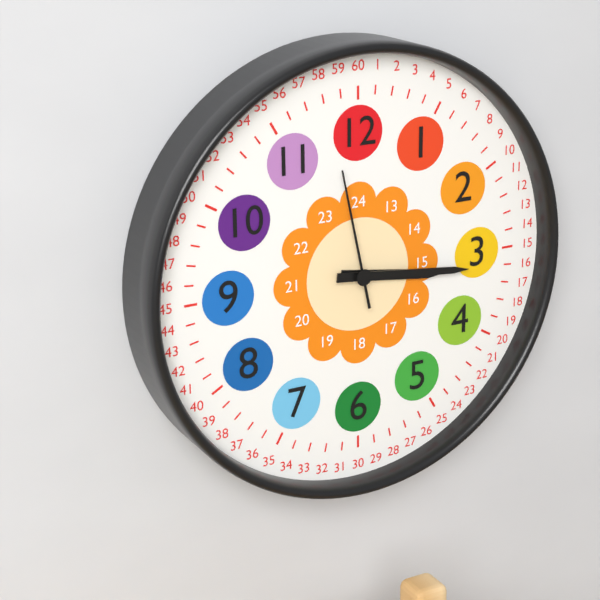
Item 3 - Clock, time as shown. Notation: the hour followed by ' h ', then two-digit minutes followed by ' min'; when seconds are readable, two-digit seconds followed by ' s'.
3 h 16 min 58 s
